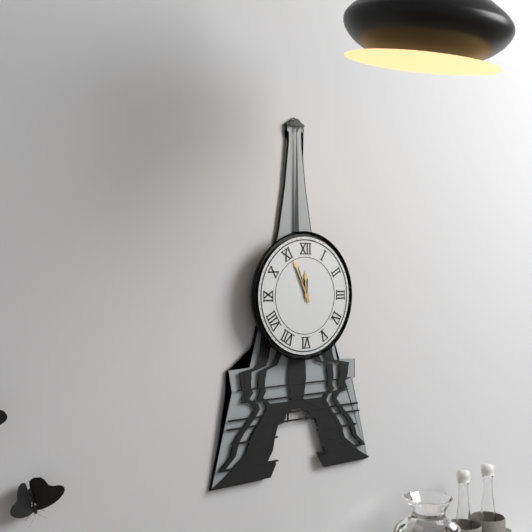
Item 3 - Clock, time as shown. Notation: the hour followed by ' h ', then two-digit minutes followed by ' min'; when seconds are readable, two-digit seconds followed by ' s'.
11 h 56 min
